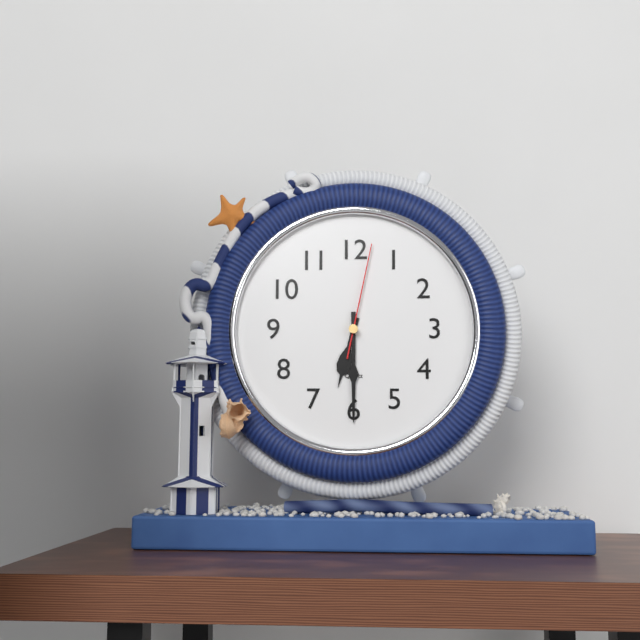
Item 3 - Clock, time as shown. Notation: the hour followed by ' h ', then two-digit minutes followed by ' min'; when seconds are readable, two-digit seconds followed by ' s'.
6 h 30 min 02 s
